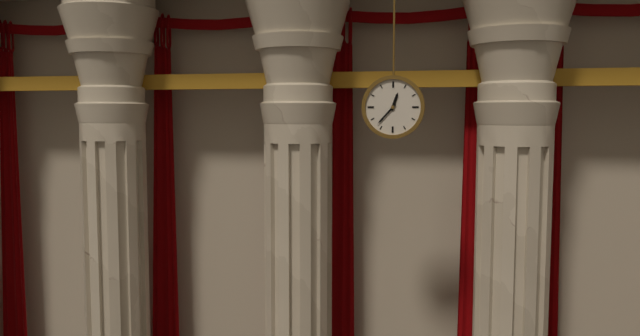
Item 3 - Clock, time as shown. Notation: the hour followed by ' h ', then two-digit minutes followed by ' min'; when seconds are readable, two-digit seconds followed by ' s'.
12 h 37 min
